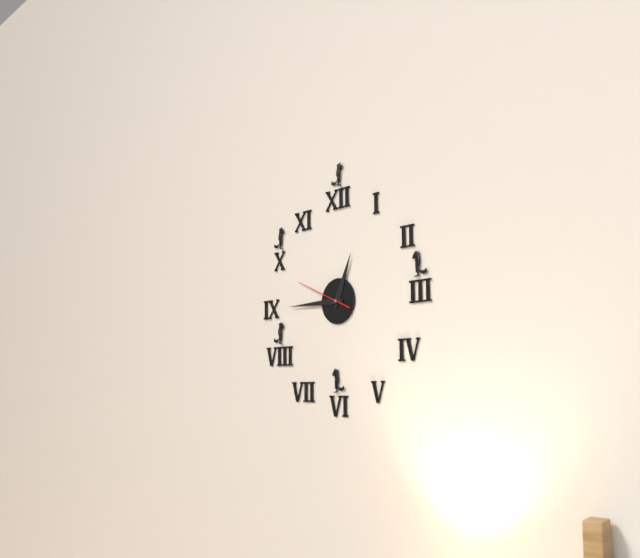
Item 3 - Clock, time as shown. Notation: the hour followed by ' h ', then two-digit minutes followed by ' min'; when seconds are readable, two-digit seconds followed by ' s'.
12 h 45 min 49 s
